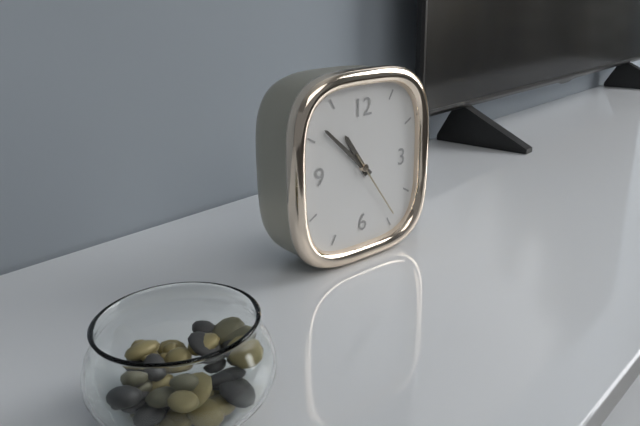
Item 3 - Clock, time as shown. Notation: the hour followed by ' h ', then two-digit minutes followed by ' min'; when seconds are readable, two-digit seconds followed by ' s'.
10 h 52 min 24 s
